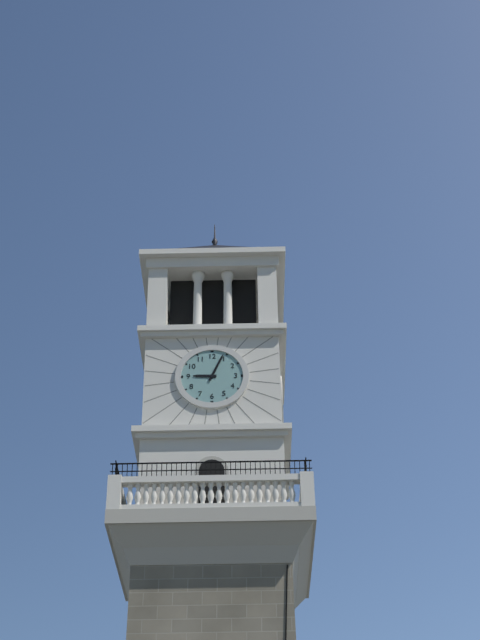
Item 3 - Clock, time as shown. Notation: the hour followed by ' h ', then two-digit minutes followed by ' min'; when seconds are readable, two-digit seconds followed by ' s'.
9 h 04 min
